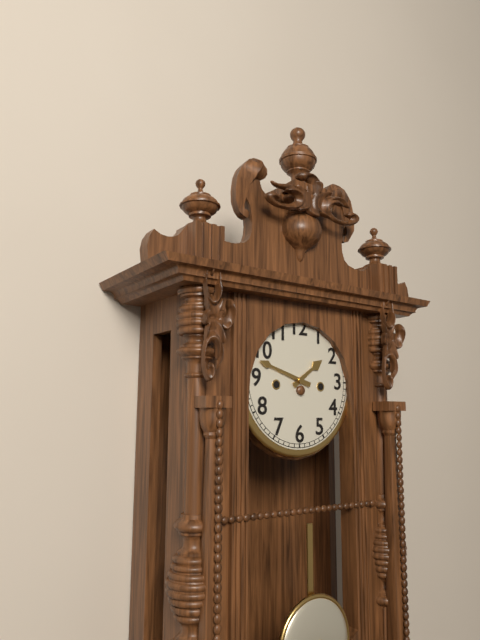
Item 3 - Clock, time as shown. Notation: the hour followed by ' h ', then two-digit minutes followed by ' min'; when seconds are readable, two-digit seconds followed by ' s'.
1 h 48 min
